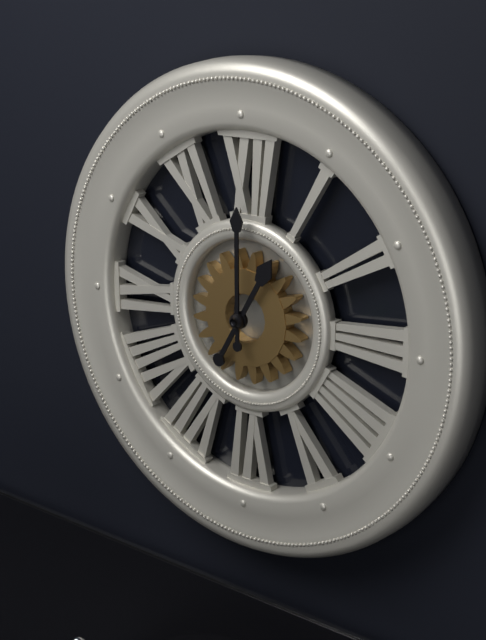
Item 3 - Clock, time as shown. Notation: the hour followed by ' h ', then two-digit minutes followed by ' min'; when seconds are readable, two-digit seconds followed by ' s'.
1 h 00 min
